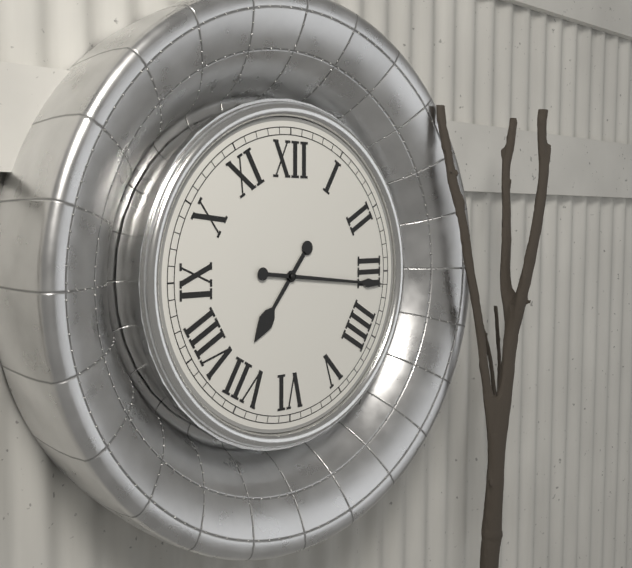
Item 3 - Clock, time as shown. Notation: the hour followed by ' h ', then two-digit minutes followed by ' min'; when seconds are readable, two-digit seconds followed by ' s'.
7 h 16 min
